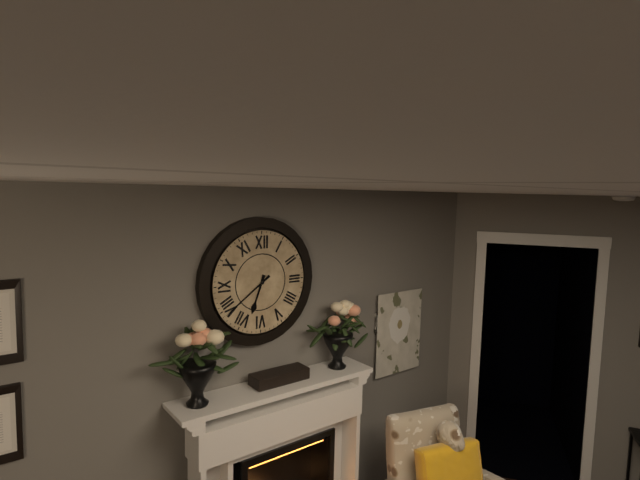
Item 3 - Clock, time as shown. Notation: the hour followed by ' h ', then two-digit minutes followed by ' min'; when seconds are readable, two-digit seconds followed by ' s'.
6 h 39 min
